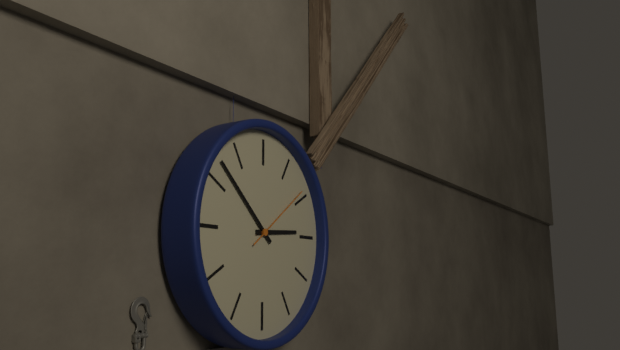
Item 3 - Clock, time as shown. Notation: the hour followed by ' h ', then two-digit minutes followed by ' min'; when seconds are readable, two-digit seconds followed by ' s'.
2 h 52 min 09 s
